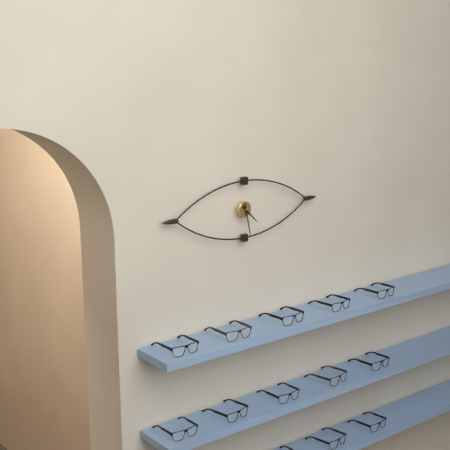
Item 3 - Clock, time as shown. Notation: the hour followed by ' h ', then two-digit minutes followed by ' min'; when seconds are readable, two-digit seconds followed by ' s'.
4 h 28 min
